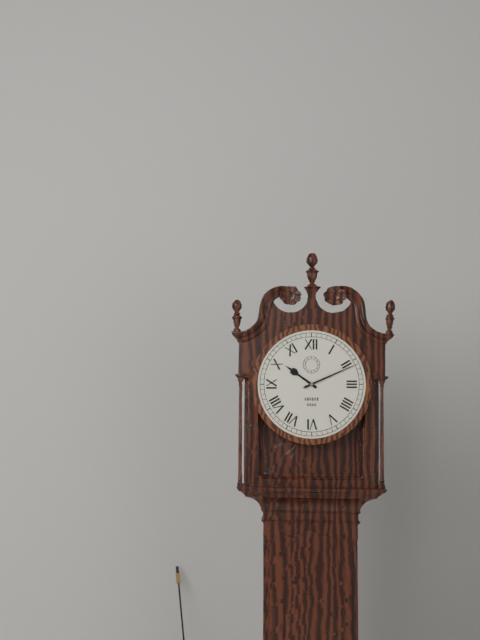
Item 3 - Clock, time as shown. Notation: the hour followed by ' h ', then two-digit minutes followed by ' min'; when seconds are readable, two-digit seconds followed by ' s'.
10 h 11 min
